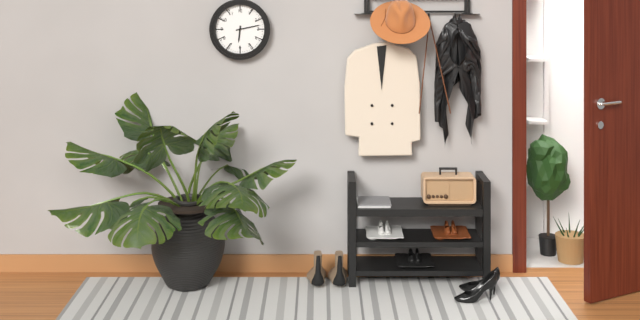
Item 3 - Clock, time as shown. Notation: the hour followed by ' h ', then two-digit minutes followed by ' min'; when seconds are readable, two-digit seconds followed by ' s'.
6 h 13 min
